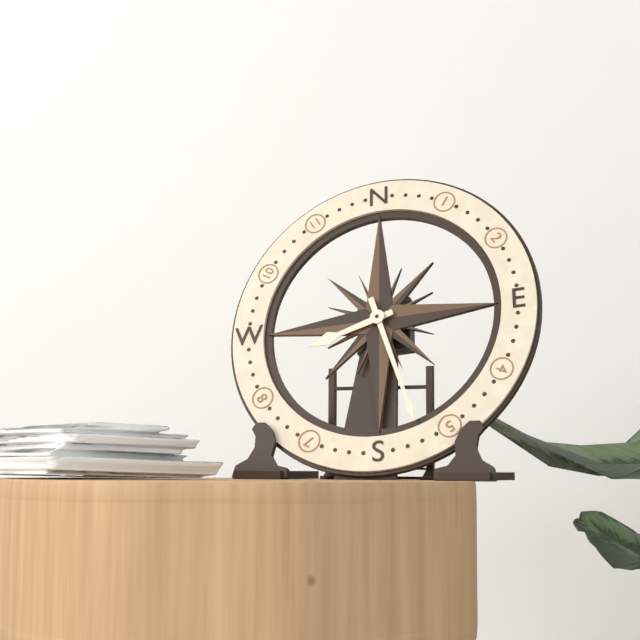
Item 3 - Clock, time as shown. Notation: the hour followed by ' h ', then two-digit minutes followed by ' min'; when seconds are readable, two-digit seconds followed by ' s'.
8 h 27 min
